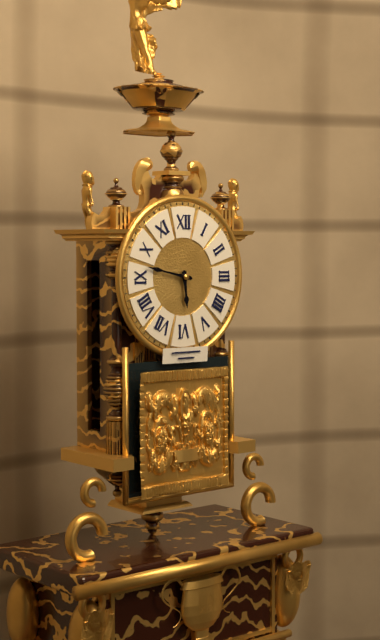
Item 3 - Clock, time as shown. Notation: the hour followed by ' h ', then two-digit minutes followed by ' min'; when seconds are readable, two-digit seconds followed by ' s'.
5 h 47 min
